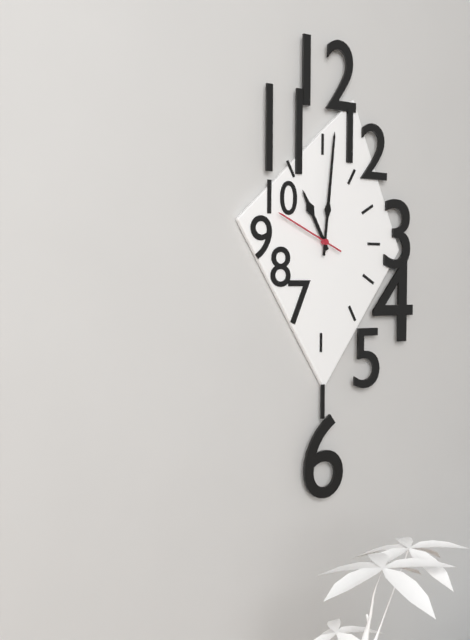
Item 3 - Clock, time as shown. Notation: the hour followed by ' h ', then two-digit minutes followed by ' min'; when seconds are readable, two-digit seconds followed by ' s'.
11 h 01 min 49 s
